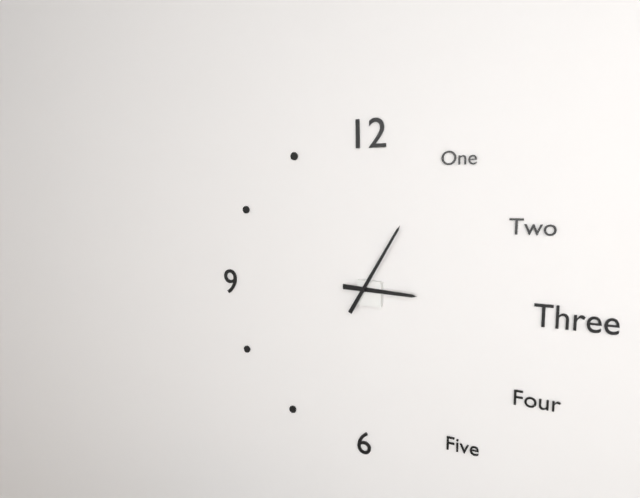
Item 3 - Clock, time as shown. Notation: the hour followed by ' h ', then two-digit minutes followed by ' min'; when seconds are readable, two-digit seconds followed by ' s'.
3 h 05 min
